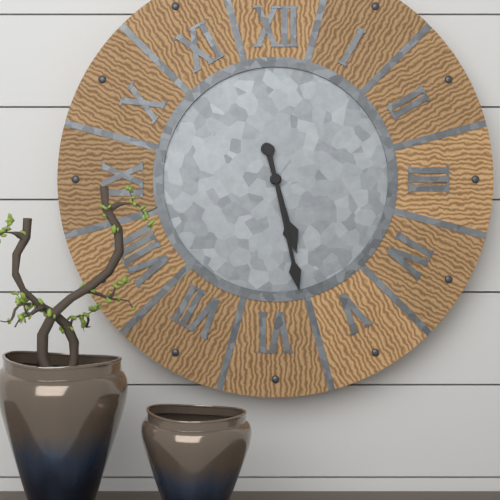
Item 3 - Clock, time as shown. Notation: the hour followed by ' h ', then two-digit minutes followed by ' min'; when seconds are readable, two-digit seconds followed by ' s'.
5 h 28 min
